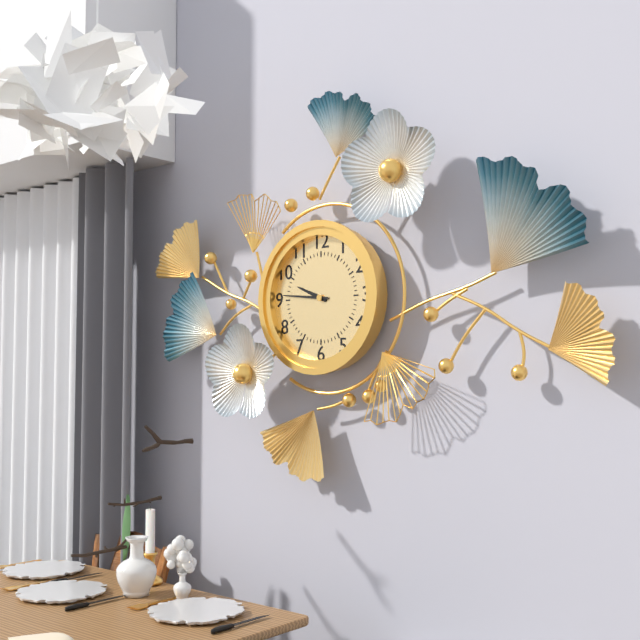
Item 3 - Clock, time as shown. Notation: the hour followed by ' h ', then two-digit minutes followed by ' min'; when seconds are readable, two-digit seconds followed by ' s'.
9 h 46 min
